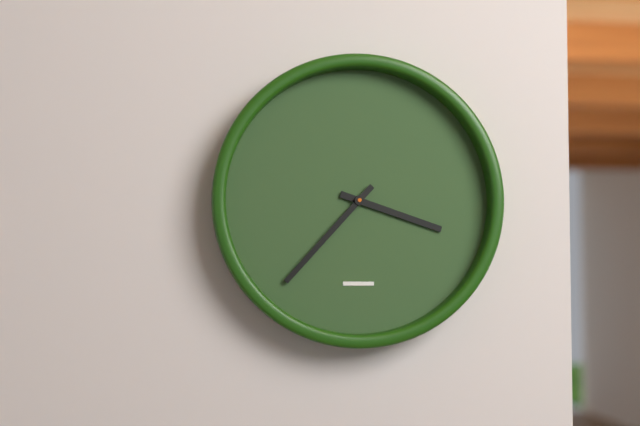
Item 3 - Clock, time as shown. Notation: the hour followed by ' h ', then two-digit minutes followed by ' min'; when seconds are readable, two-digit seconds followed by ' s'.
3 h 37 min
